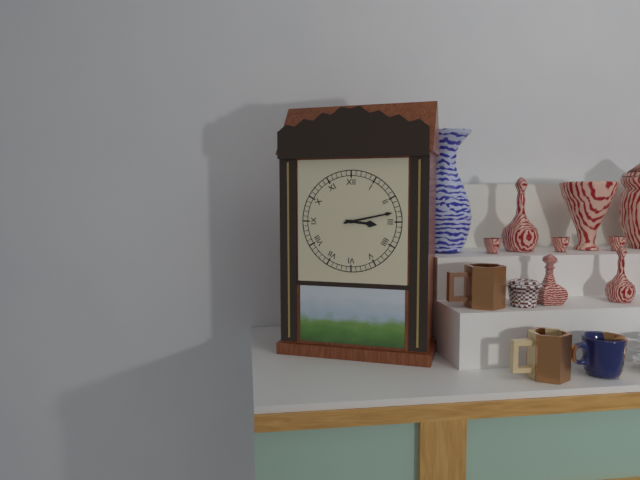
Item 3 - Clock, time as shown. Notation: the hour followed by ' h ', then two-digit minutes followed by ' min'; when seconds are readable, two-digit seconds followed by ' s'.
3 h 13 min
